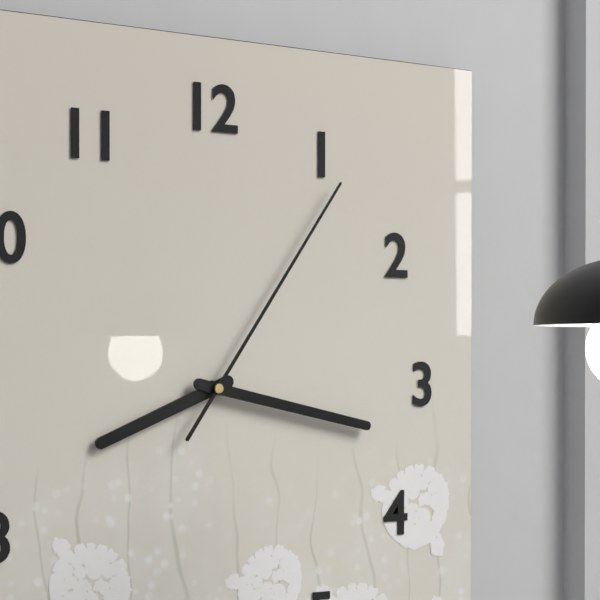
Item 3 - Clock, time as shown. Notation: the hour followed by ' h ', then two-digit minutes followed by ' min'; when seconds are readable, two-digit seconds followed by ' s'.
8 h 17 min 06 s
